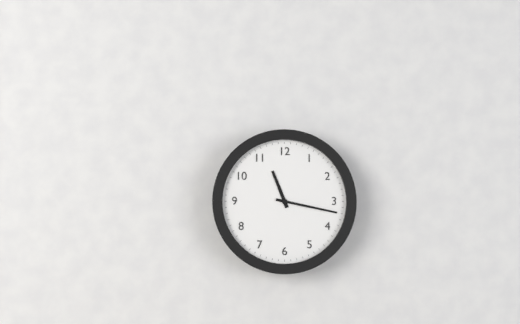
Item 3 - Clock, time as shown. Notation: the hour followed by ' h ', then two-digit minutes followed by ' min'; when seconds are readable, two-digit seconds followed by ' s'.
11 h 17 min
